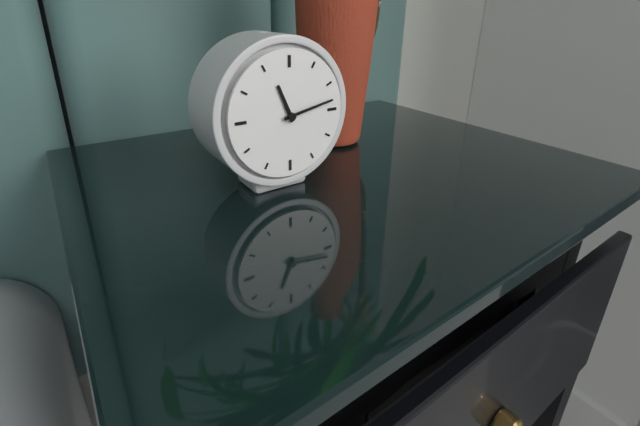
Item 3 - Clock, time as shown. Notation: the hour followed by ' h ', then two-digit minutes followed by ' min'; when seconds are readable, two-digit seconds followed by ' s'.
11 h 13 min
